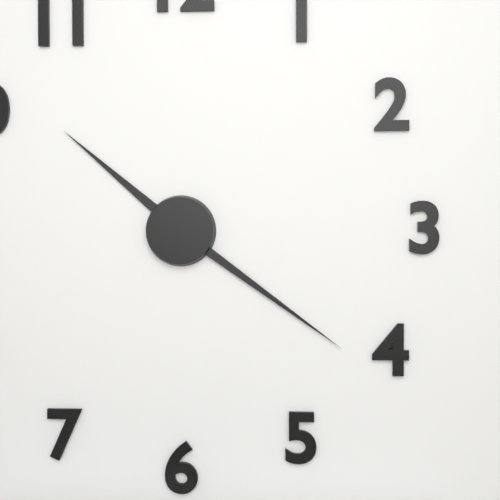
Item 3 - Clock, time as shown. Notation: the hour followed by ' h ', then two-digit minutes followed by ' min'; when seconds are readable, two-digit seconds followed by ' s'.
10 h 21 min
